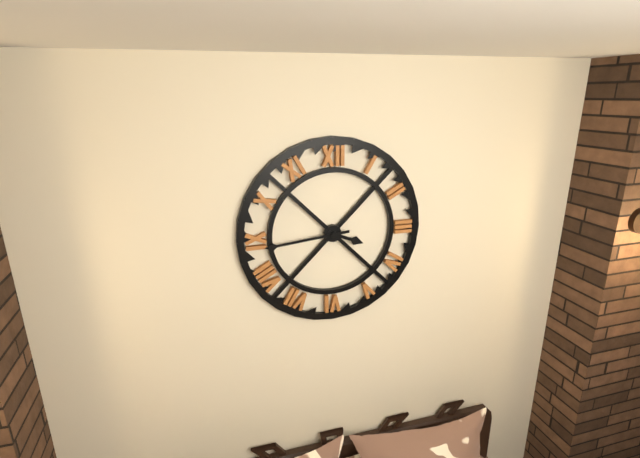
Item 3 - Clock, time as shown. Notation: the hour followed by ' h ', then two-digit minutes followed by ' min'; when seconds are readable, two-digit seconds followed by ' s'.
3 h 44 min
